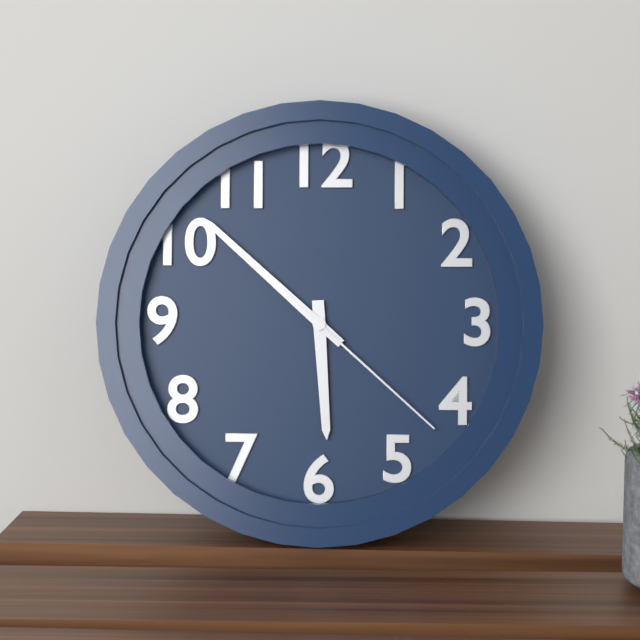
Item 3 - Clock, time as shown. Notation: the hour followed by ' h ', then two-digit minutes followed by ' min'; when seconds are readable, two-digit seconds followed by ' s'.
5 h 52 min 22 s
